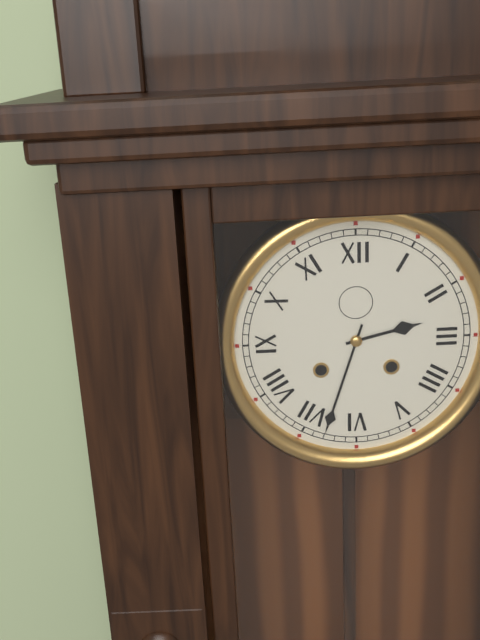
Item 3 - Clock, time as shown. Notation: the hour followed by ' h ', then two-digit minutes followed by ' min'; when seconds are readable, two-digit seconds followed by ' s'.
2 h 33 min
